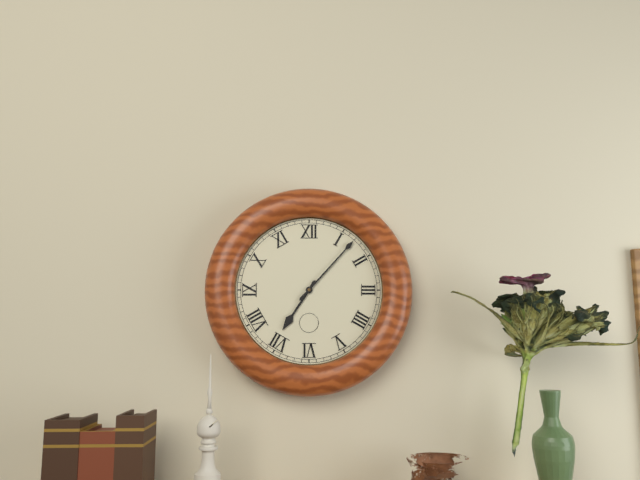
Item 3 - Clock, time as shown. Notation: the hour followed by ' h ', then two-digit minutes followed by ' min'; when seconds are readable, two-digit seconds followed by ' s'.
7 h 07 min
